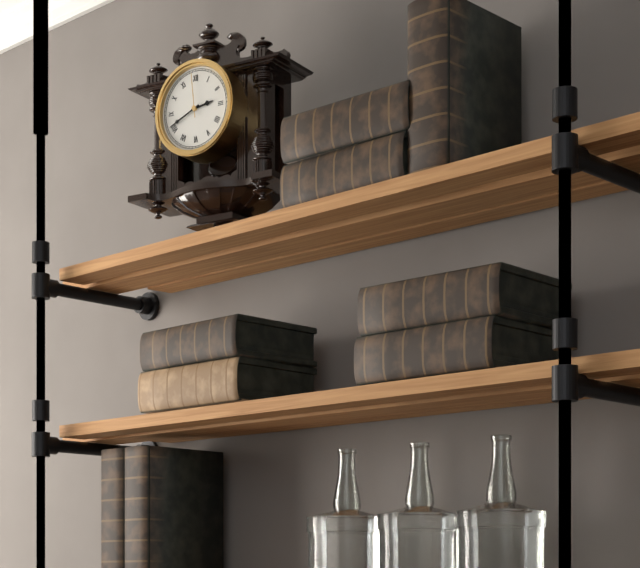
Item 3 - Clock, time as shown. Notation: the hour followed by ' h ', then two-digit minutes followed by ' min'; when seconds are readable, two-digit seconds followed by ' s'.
2 h 41 min
